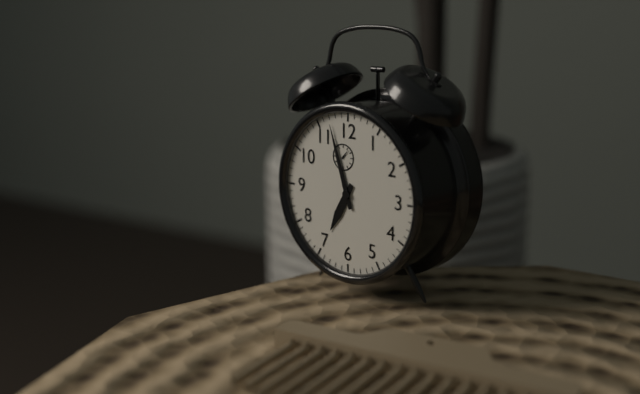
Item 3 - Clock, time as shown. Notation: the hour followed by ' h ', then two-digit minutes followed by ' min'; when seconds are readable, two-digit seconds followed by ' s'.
6 h 57 min
